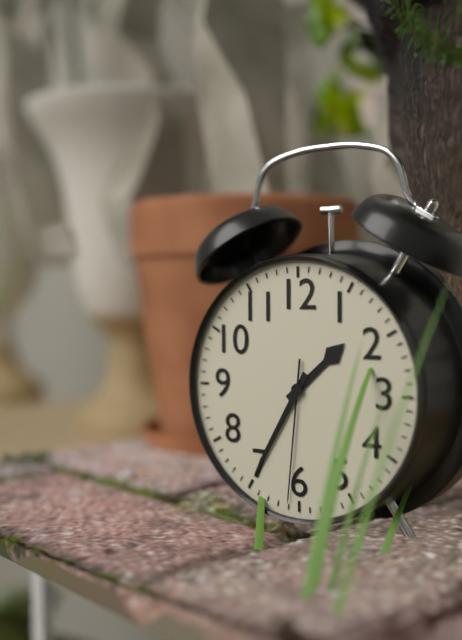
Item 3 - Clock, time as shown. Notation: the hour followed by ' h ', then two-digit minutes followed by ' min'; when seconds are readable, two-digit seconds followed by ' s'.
1 h 35 min 31 s
